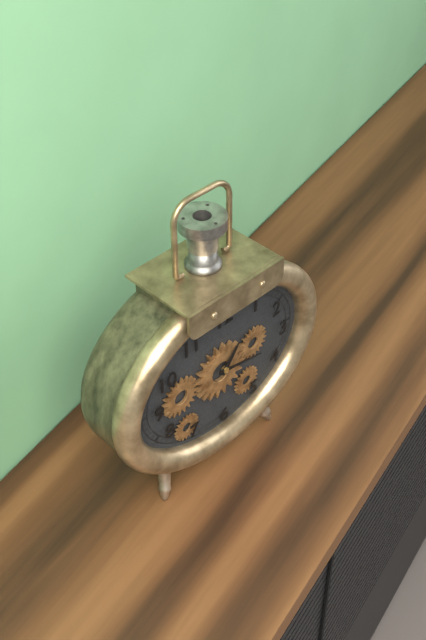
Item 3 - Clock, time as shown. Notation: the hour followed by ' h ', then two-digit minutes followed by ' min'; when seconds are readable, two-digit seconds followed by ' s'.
1 h 17 min
